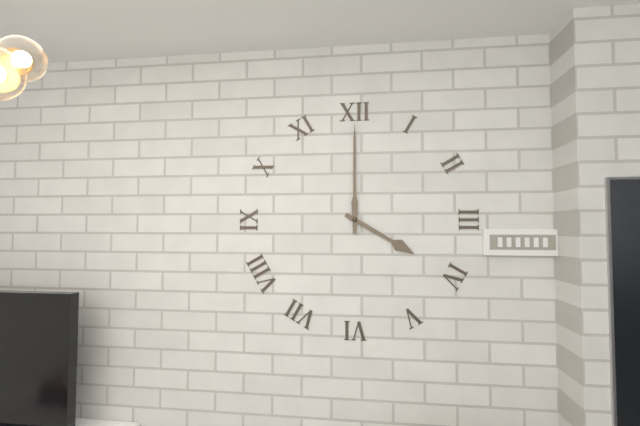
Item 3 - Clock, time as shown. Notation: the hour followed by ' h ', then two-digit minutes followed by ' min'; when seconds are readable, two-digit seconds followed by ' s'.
4 h 00 min
